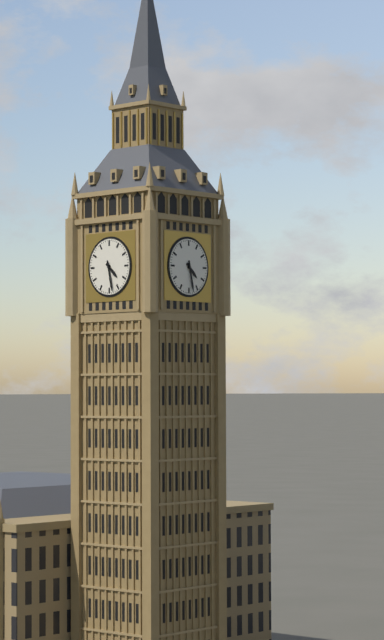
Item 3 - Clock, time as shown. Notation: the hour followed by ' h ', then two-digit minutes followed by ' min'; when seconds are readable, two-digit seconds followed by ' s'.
4 h 28 min
